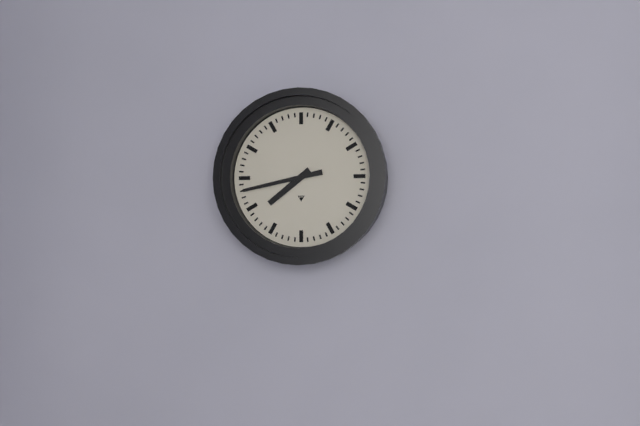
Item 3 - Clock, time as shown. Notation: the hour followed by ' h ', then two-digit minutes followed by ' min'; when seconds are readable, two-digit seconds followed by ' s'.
7 h 43 min
